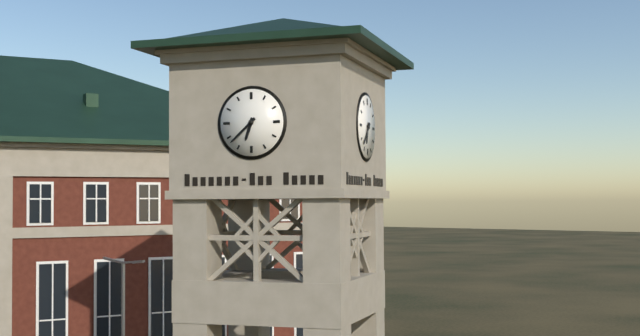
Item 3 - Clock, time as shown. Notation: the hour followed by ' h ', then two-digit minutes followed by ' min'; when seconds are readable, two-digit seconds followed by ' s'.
6 h 38 min
